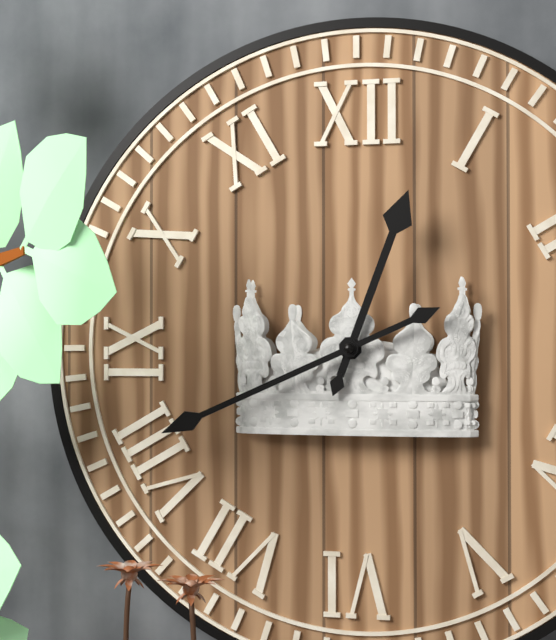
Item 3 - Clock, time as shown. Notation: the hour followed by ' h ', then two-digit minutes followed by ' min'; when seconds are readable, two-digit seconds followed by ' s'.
12 h 41 min
